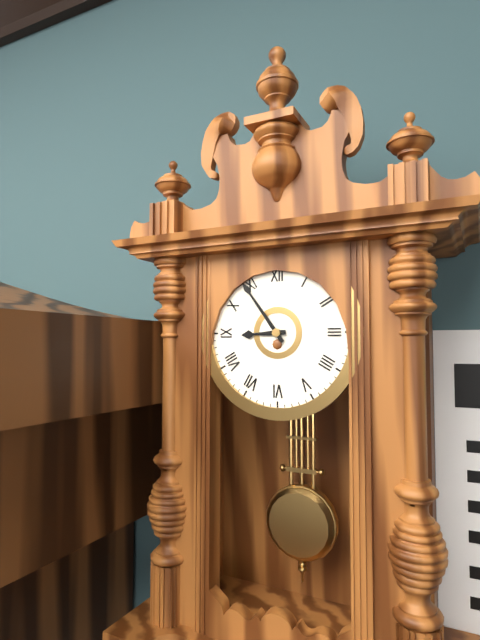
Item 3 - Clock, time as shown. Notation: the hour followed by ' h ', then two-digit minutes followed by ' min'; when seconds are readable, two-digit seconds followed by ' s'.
8 h 54 min
